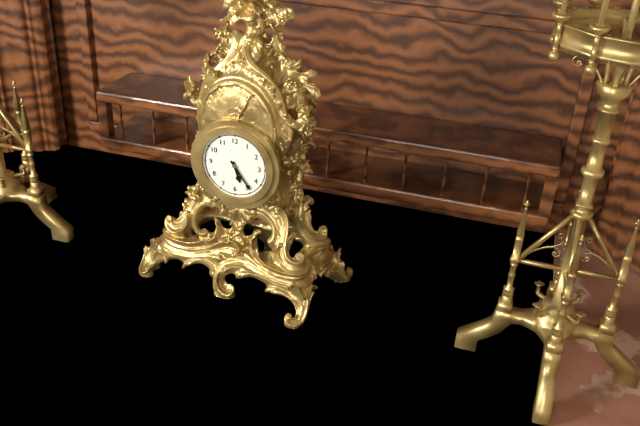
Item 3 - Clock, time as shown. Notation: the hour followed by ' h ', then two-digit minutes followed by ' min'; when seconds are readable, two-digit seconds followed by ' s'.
5 h 24 min
